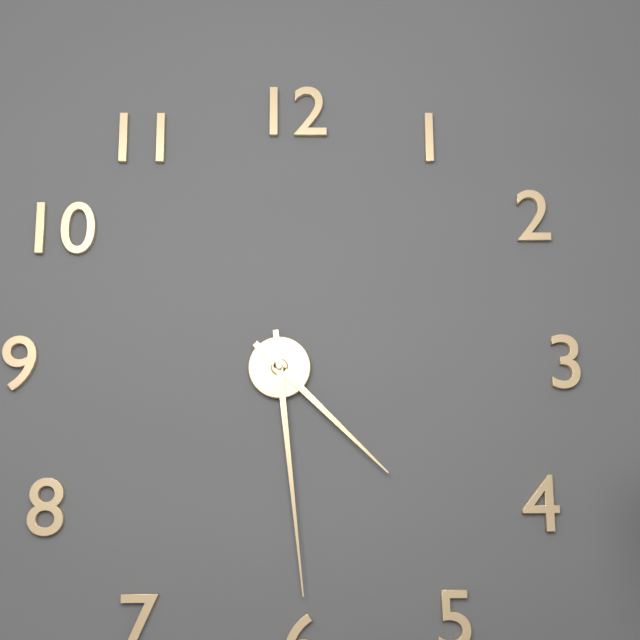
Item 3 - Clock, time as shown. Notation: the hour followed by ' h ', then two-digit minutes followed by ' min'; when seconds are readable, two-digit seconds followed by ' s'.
4 h 29 min
